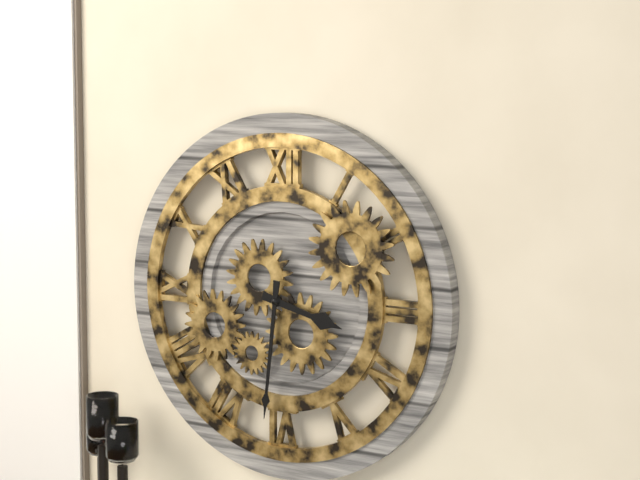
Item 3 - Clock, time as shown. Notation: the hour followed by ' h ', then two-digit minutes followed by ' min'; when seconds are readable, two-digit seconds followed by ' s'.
3 h 31 min
